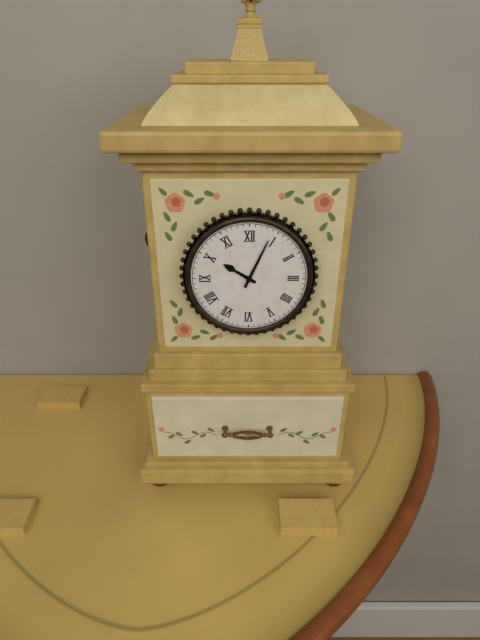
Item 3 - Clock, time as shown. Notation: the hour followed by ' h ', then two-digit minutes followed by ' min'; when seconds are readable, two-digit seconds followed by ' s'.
10 h 04 min
